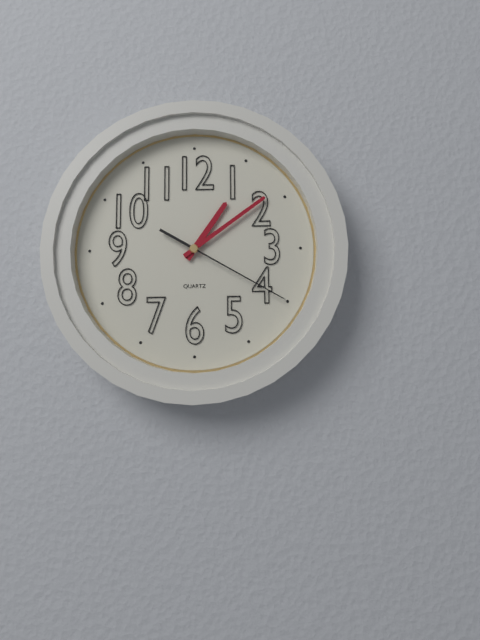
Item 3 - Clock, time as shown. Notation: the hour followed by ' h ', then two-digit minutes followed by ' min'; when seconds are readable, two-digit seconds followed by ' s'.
1 h 09 min 20 s
